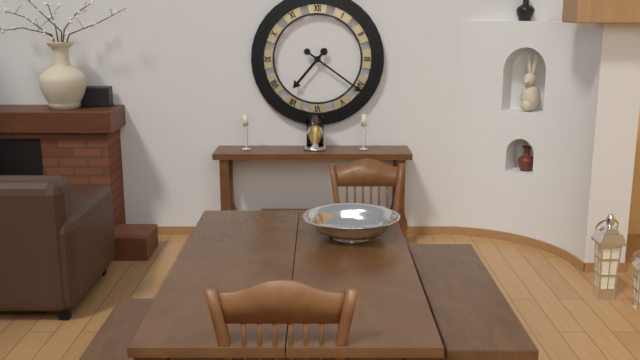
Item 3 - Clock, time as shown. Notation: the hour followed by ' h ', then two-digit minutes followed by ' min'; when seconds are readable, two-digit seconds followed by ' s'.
7 h 21 min
